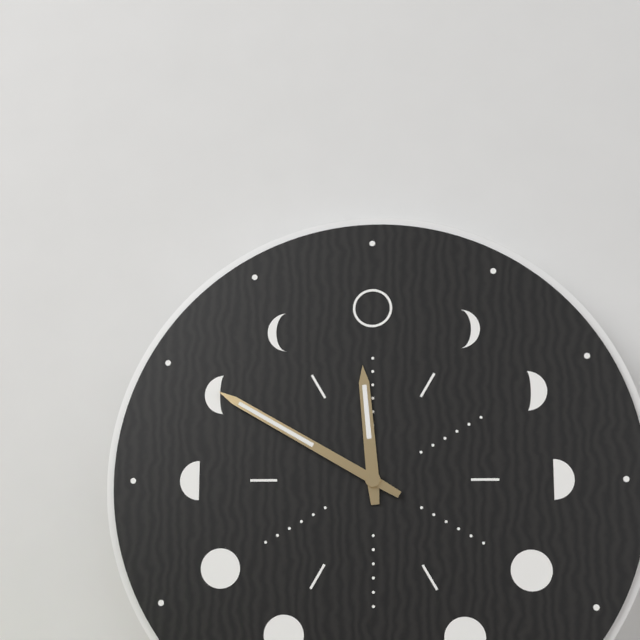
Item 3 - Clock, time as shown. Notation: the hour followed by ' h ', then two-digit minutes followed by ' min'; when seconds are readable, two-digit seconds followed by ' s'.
11 h 50 min
